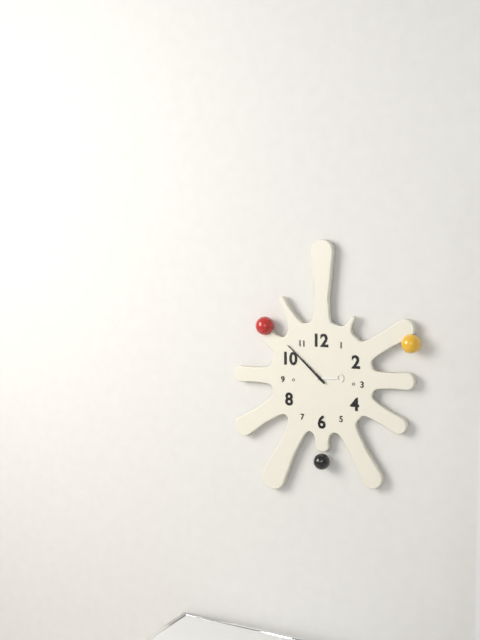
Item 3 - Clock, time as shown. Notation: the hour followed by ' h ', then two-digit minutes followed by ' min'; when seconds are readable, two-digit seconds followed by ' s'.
2 h 52 min
